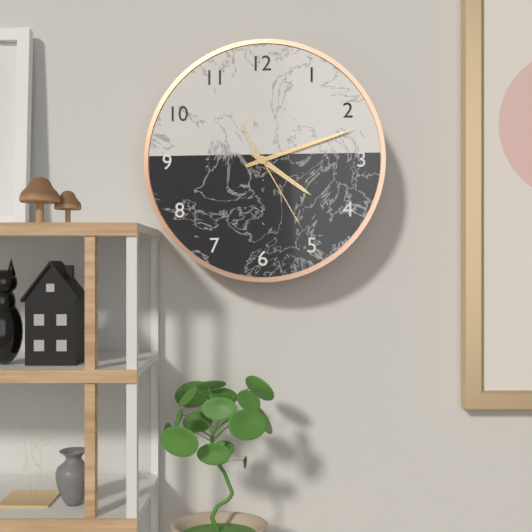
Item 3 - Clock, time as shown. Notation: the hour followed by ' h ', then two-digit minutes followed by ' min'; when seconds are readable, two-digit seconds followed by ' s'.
4 h 12 min 25 s
